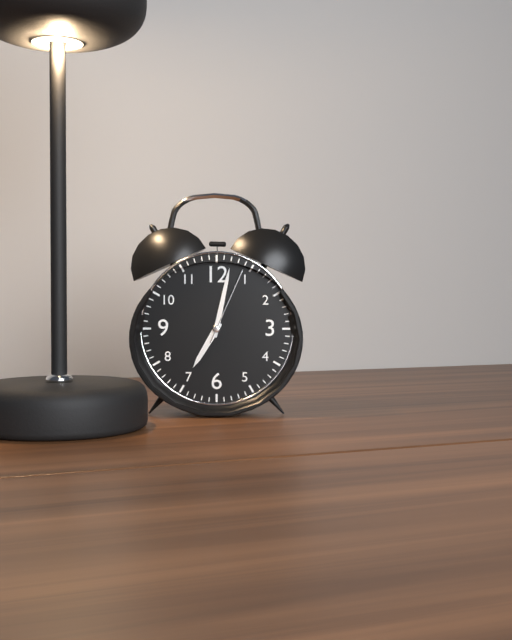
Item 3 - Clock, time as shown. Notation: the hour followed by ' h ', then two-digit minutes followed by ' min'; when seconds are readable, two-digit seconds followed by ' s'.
7 h 02 min 04 s
